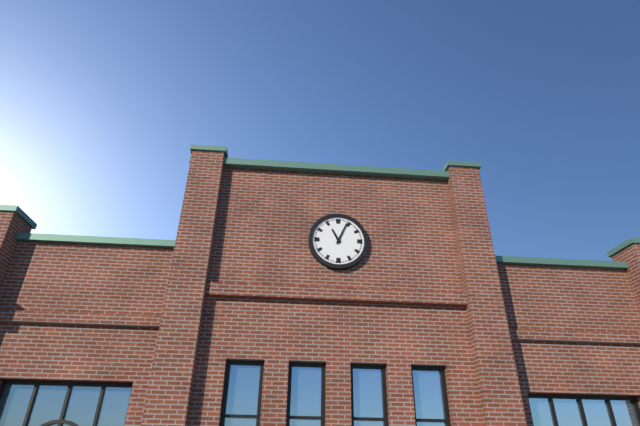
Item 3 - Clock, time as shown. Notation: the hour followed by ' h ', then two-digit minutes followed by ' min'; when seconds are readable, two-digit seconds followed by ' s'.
11 h 04 min
